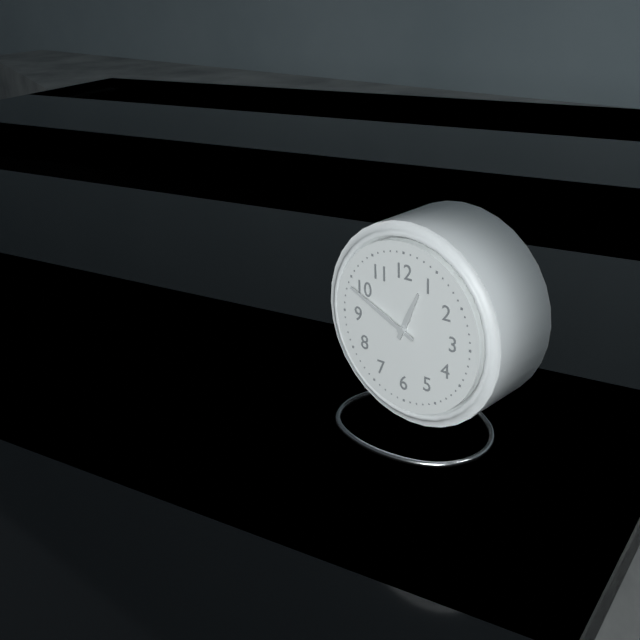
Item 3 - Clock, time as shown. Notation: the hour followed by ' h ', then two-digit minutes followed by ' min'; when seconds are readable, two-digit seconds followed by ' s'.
12 h 49 min
